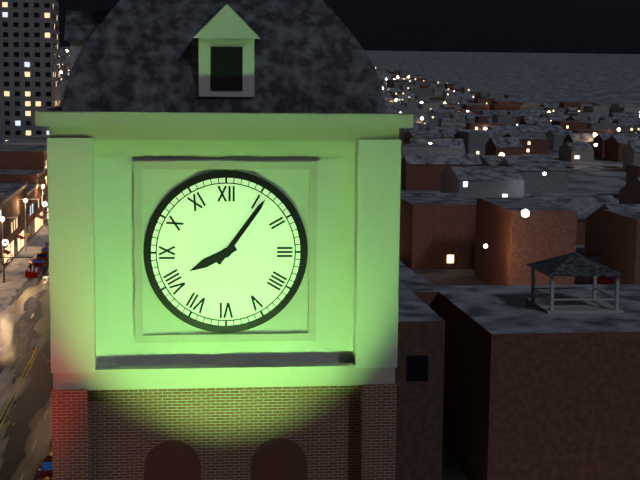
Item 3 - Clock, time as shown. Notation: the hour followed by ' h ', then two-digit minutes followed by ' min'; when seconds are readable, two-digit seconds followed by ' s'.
8 h 06 min
